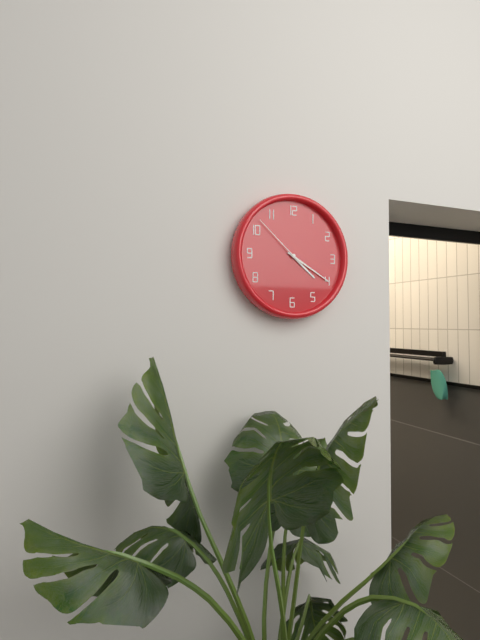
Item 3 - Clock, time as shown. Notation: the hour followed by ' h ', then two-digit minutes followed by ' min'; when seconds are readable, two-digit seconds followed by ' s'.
4 h 20 min 52 s
